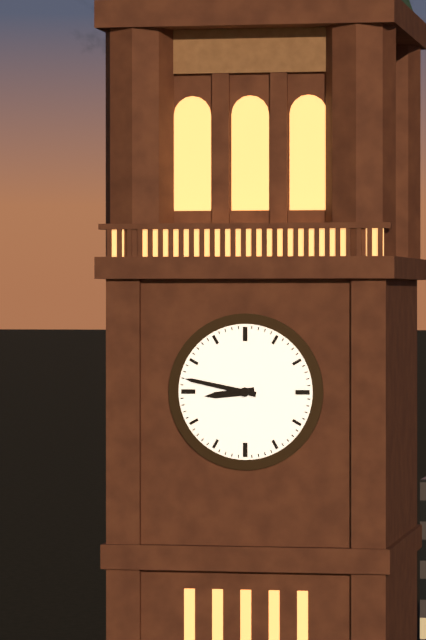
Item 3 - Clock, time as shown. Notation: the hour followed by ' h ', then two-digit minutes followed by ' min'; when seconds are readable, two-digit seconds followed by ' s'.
8 h 47 min
